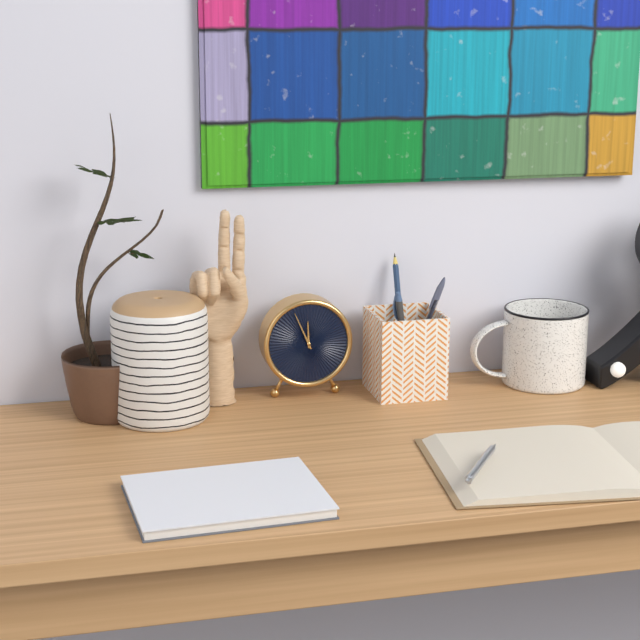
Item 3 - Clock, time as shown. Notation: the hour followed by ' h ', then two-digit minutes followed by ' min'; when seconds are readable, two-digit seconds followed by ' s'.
11 h 56 min
